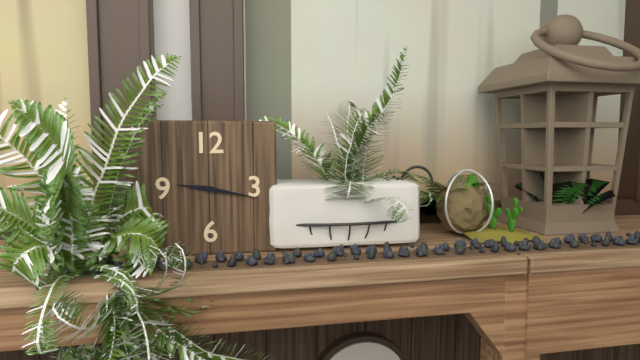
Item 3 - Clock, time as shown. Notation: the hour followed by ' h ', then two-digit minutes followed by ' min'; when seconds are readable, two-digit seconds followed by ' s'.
9 h 17 min
